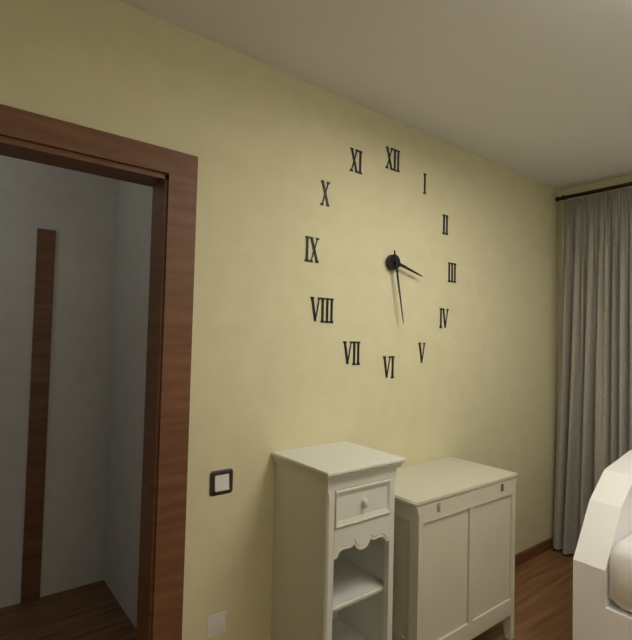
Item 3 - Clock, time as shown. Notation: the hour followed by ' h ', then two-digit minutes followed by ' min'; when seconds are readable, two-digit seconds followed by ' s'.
3 h 28 min
